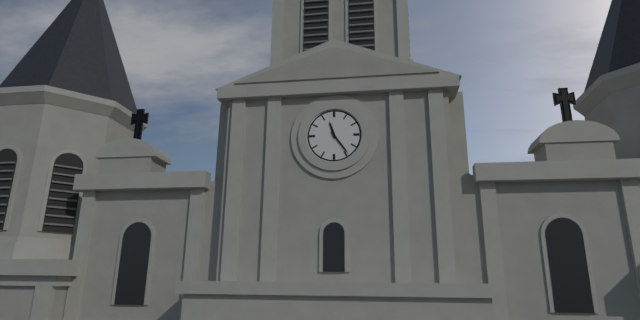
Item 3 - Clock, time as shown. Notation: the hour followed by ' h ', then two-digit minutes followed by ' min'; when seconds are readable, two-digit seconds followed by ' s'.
11 h 24 min
